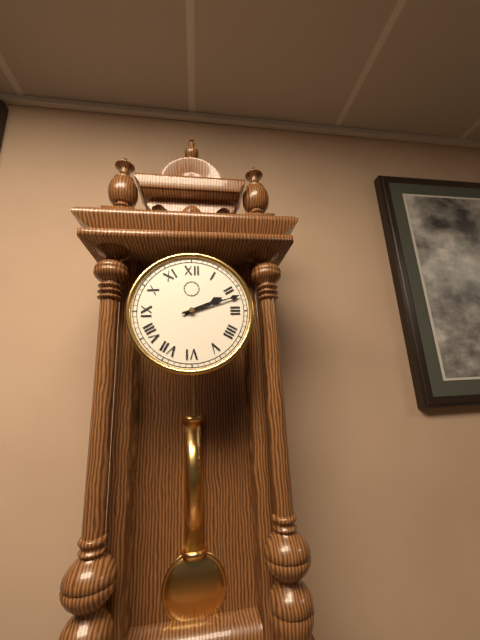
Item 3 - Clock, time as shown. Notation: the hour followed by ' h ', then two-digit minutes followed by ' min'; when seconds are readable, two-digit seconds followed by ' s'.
2 h 12 min
